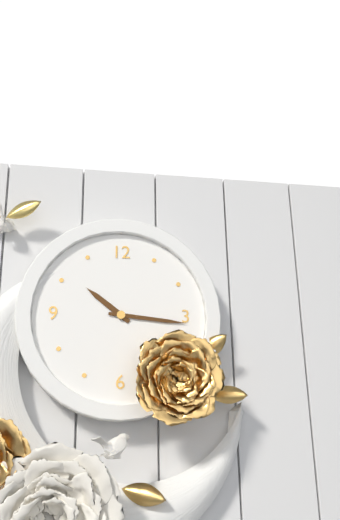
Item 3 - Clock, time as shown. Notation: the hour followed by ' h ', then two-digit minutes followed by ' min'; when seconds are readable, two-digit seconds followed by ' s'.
10 h 16 min
